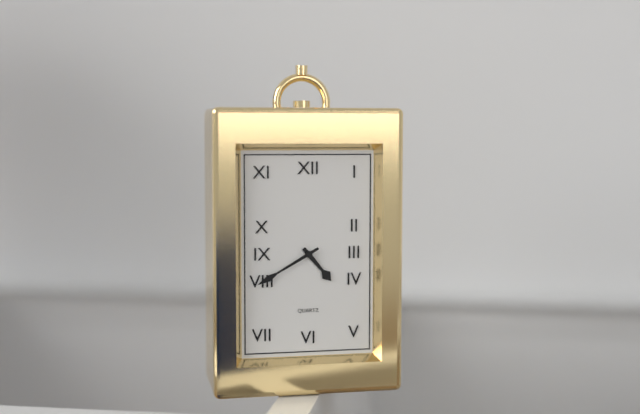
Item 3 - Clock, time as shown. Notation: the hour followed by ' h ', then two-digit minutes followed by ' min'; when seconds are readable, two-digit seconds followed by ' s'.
4 h 40 min
